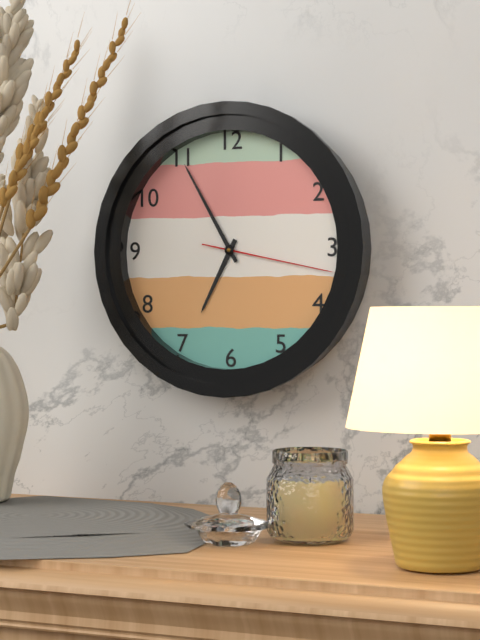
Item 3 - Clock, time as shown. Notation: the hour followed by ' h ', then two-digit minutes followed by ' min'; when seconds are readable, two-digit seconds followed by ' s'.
6 h 55 min 17 s
